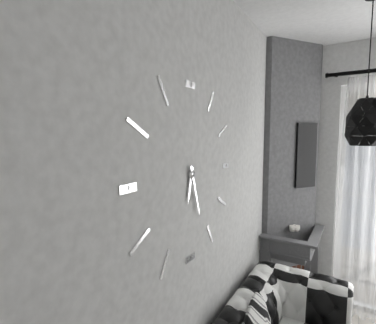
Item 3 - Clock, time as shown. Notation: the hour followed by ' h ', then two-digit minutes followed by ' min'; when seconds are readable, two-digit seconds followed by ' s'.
6 h 27 min
